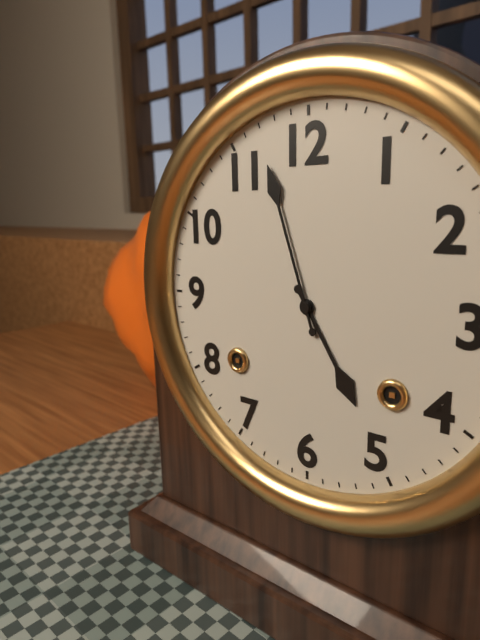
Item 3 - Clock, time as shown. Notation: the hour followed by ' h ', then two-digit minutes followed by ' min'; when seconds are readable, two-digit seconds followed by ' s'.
4 h 57 min
